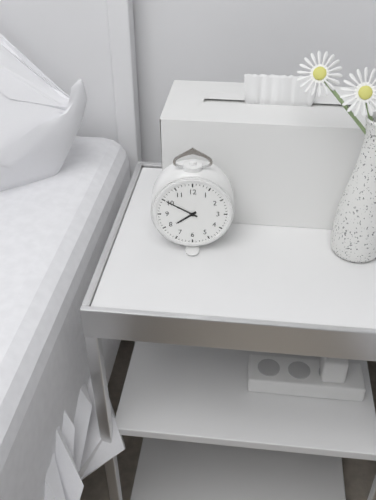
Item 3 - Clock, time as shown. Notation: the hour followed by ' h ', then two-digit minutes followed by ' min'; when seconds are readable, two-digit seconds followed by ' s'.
7 h 50 min
